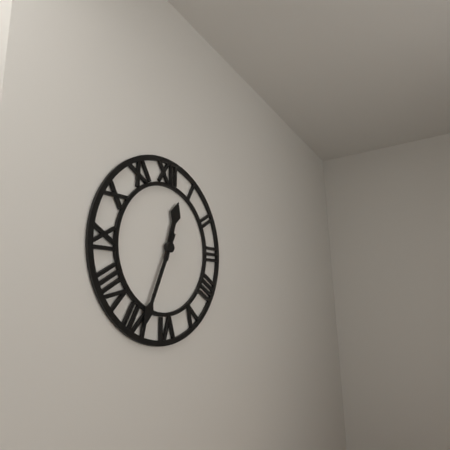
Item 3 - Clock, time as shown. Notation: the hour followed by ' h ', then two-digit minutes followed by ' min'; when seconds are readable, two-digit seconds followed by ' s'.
12 h 34 min
